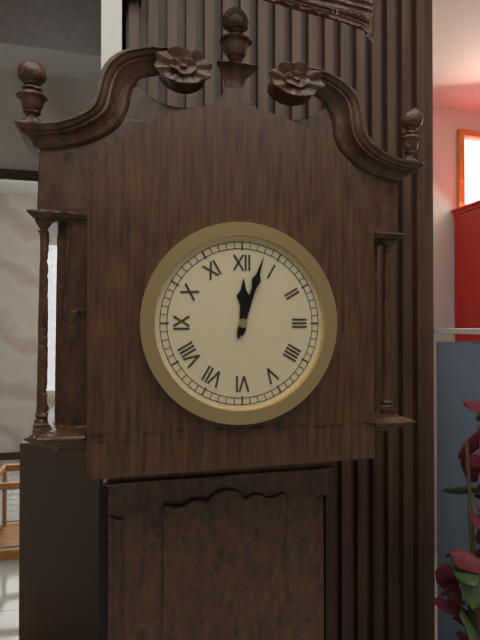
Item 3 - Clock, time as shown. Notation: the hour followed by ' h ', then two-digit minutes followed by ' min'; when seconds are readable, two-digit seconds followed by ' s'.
12 h 03 min
